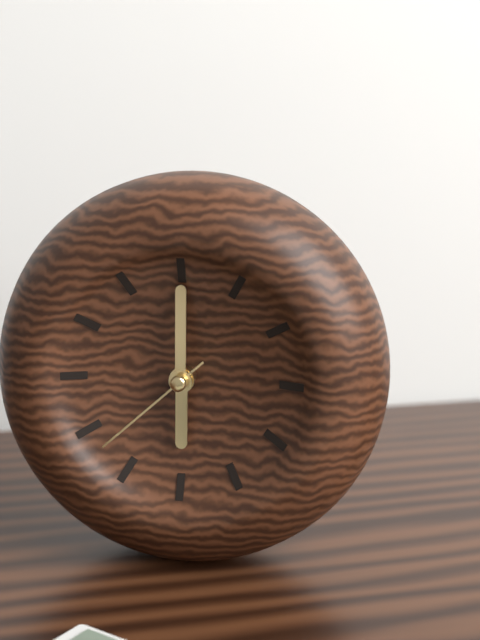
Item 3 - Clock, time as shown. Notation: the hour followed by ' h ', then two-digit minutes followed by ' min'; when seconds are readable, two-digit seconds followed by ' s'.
6 h 00 min 38 s
